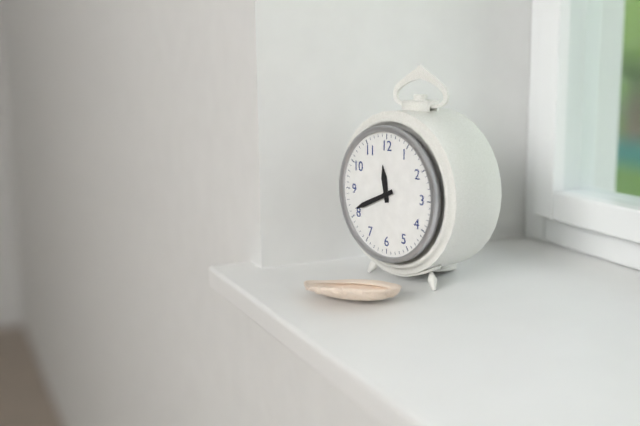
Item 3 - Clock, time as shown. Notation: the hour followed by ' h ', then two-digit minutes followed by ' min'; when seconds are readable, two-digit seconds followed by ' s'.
11 h 41 min
